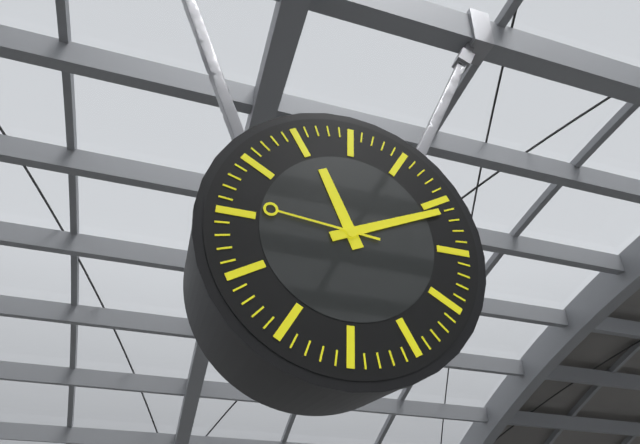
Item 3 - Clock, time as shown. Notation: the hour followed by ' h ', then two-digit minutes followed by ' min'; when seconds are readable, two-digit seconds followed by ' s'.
11 h 11 min 46 s
